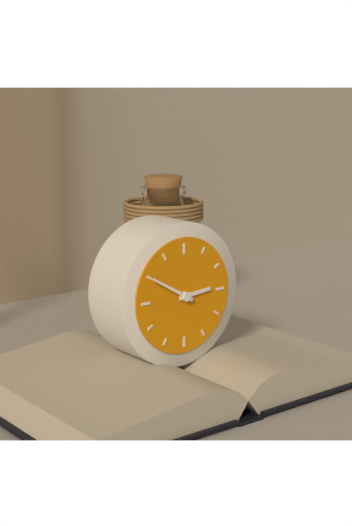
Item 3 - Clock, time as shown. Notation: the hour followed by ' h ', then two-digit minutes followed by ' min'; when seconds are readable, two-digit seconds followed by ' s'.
2 h 50 min
